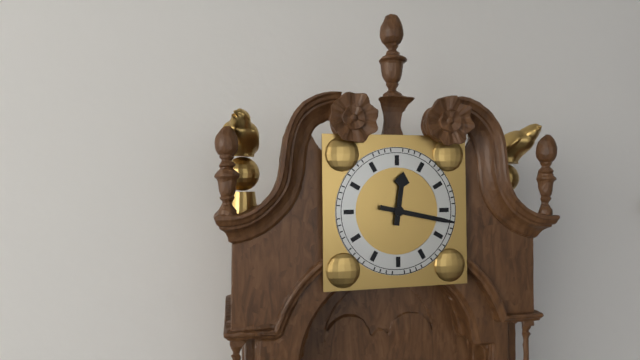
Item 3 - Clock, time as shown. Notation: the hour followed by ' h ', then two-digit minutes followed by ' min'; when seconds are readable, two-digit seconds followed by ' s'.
12 h 17 min
